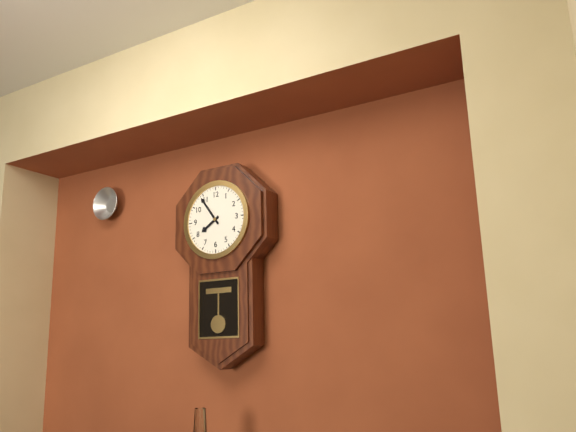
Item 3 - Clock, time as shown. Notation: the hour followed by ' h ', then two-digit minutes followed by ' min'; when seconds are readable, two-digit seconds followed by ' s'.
7 h 54 min
